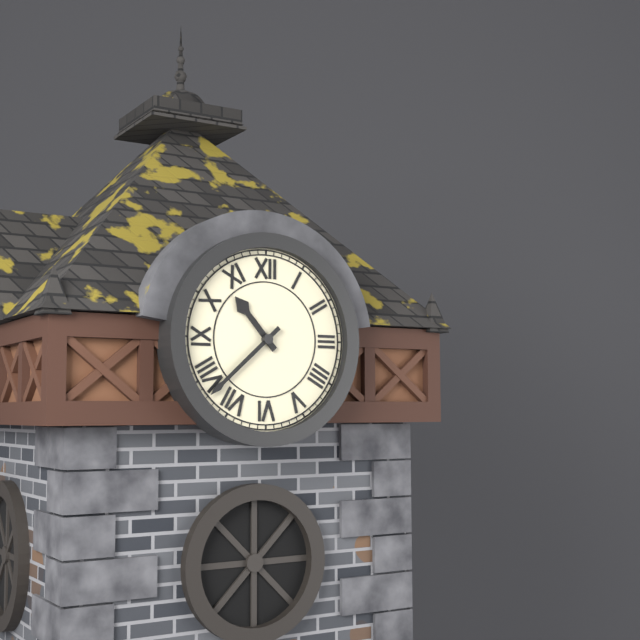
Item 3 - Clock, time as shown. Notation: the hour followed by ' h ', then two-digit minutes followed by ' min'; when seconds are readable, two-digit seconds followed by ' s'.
10 h 38 min
